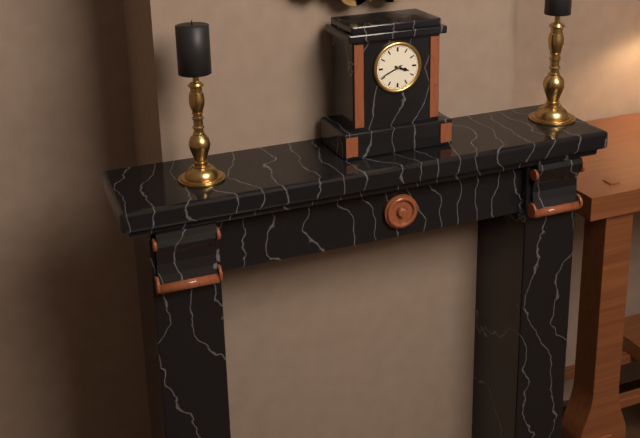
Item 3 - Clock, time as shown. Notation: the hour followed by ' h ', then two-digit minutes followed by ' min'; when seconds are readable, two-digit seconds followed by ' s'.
3 h 41 min
